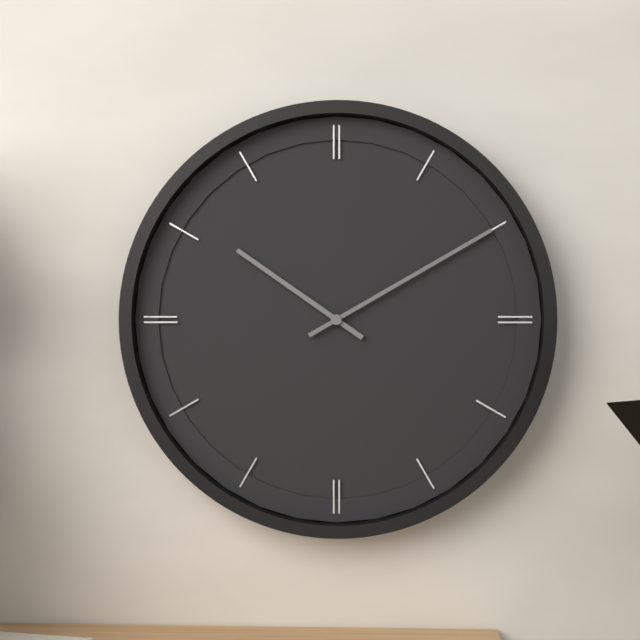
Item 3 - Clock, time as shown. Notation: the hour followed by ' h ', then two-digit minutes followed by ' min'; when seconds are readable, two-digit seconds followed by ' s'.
10 h 10 min
